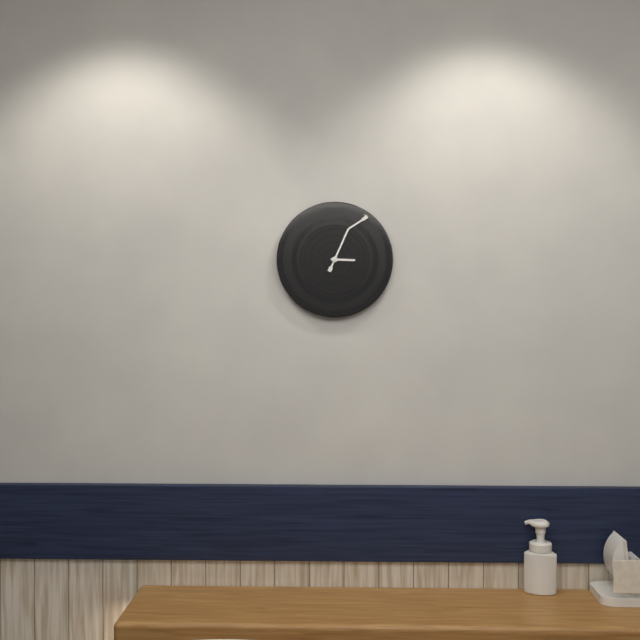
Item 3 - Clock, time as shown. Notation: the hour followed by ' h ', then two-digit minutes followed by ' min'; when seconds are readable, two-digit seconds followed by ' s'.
3 h 04 min
